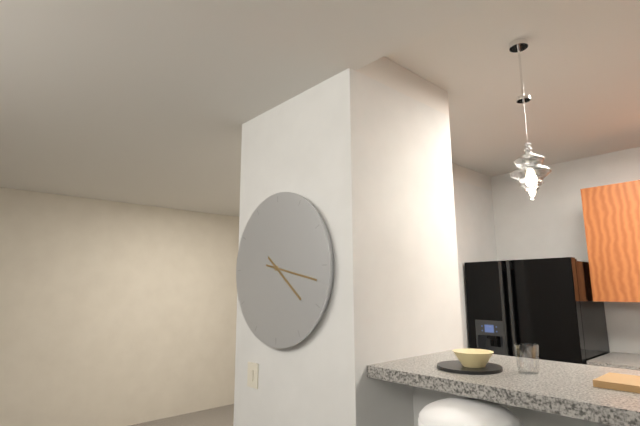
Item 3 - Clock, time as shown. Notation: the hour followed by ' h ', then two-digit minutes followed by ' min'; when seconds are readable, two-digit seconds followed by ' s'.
4 h 17 min
